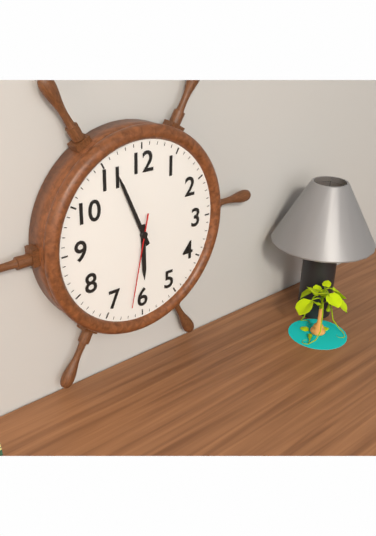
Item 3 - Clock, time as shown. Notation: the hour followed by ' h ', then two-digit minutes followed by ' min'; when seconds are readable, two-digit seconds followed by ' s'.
5 h 56 min 32 s
